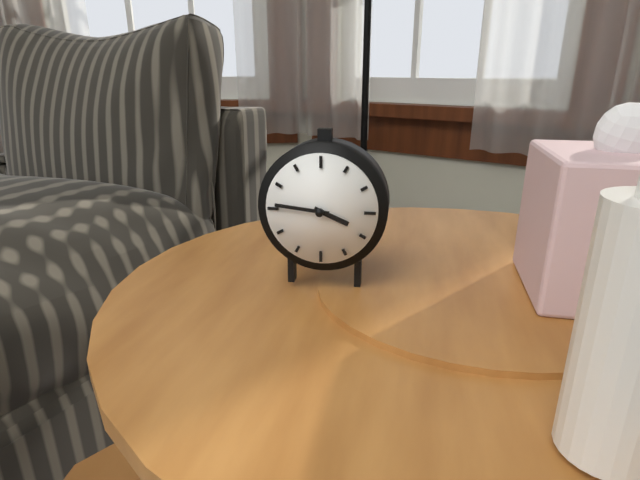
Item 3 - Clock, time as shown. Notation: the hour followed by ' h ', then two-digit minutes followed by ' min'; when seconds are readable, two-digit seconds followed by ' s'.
3 h 46 min
